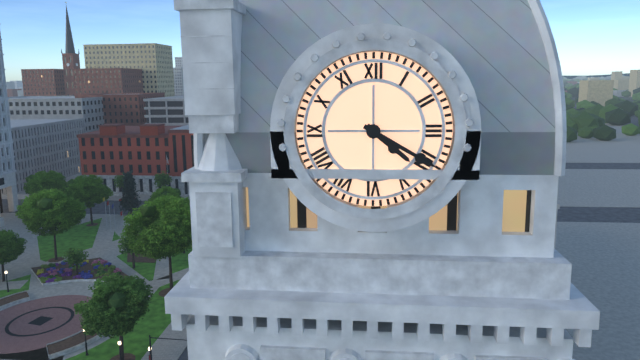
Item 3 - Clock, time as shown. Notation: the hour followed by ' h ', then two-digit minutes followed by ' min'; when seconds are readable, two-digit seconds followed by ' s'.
4 h 20 min
